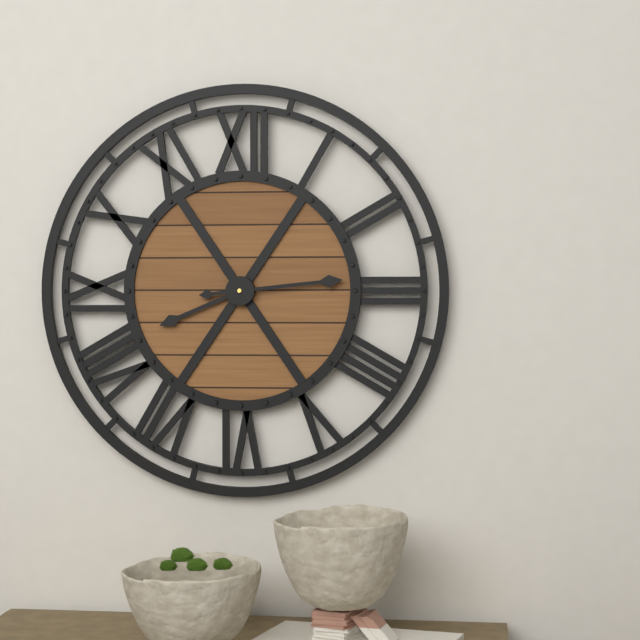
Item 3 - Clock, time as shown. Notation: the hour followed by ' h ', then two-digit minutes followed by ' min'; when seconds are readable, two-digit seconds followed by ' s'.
8 h 14 min
